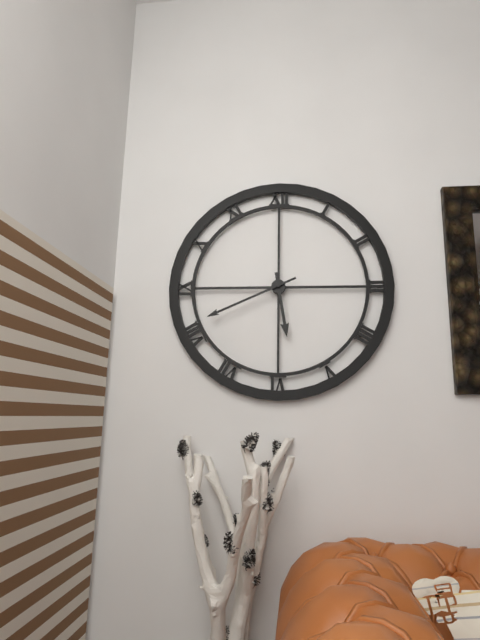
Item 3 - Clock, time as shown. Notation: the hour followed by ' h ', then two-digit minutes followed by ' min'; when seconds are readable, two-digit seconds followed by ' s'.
5 h 41 min
